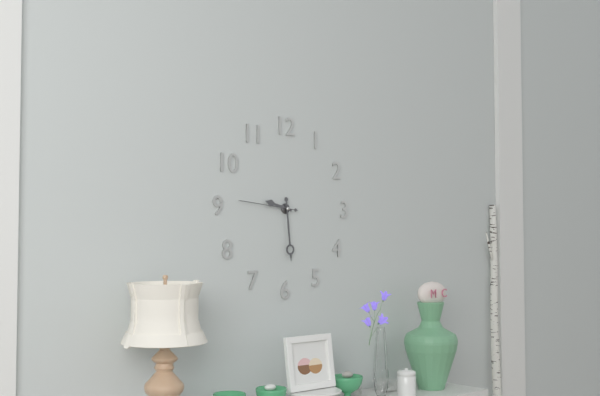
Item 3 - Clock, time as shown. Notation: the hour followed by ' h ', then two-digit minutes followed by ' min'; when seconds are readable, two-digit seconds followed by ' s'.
9 h 29 min 46 s
